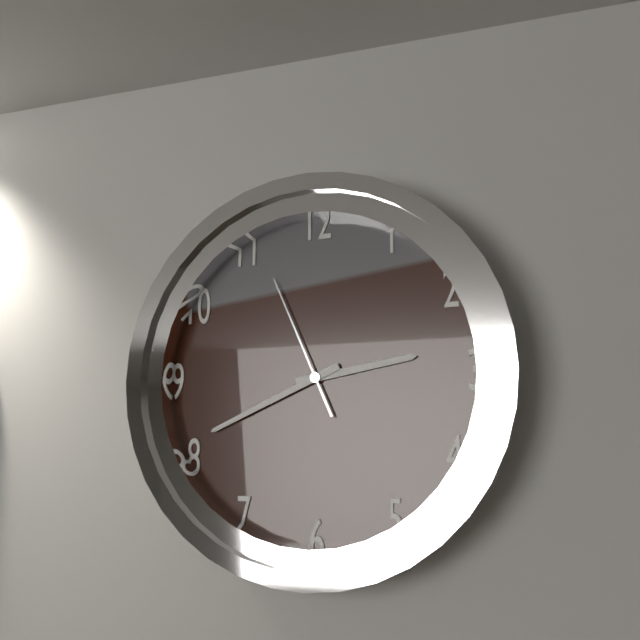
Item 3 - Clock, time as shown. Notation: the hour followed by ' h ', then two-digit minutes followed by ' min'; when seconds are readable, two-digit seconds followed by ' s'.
2 h 41 min 56 s
